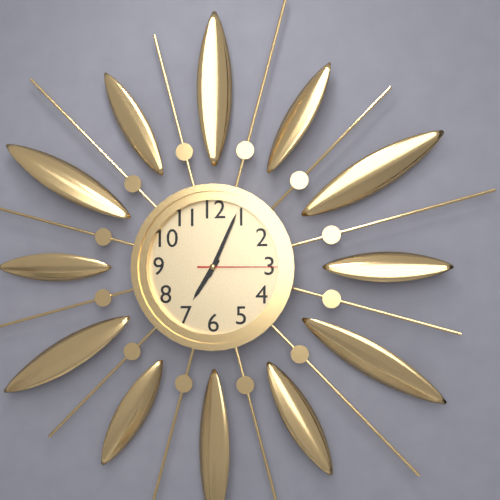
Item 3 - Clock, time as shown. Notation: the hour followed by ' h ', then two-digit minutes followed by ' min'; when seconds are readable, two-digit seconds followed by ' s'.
7 h 04 min 15 s
